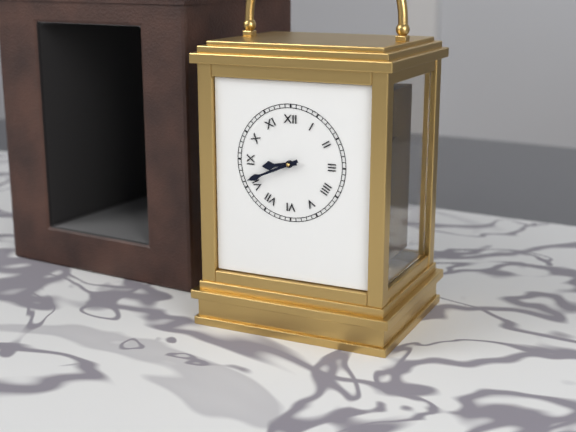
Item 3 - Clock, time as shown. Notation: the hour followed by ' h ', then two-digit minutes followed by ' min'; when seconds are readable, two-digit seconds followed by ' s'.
8 h 41 min
